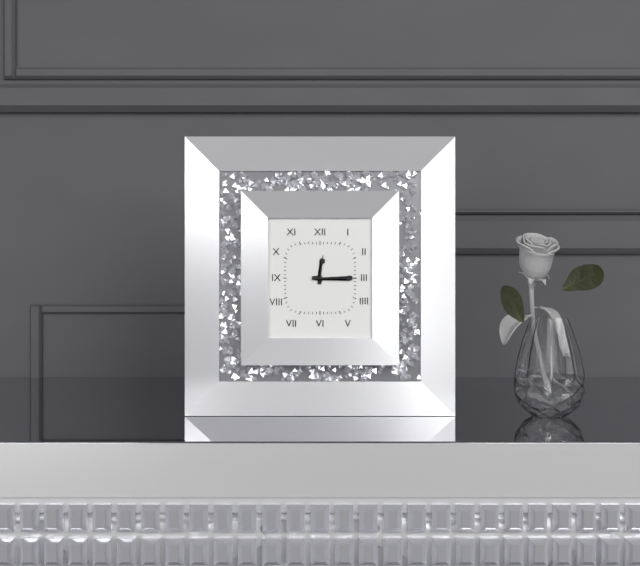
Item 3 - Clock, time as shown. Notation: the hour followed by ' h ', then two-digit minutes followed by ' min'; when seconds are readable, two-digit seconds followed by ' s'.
12 h 15 min
